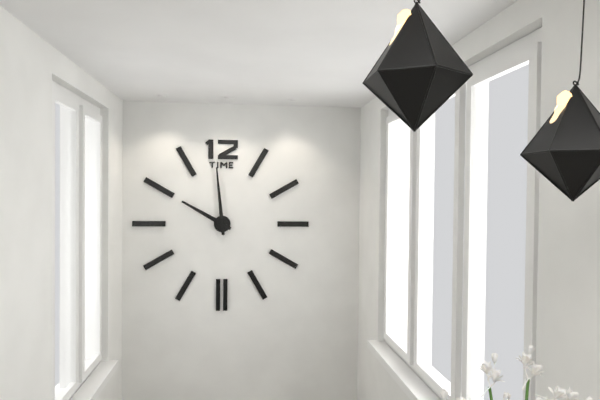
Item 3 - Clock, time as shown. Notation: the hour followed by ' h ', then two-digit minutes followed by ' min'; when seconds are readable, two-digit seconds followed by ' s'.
9 h 59 min
